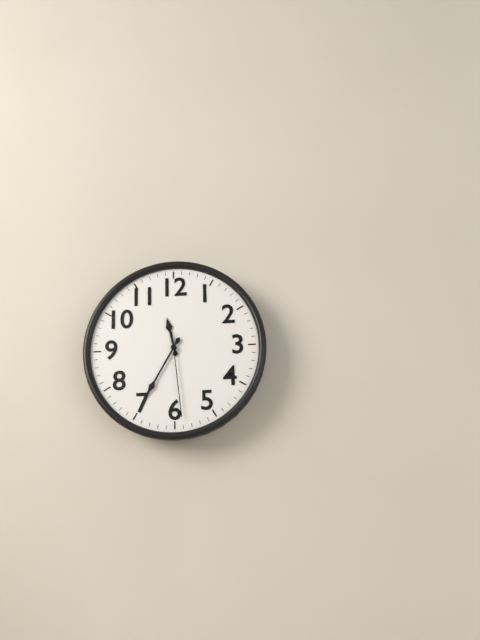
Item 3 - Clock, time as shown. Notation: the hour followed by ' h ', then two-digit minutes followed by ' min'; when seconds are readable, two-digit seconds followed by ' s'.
11 h 35 min 29 s
